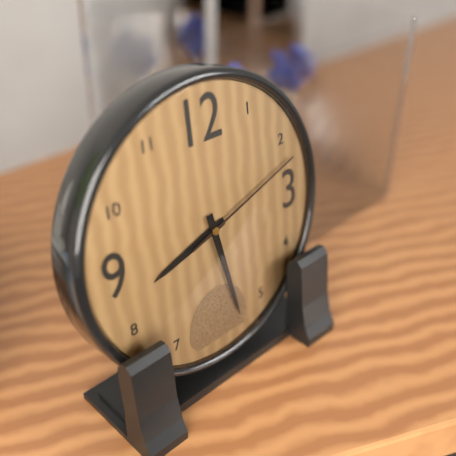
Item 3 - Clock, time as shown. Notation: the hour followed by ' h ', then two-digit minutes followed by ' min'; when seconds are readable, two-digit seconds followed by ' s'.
8 h 28 min 12 s
